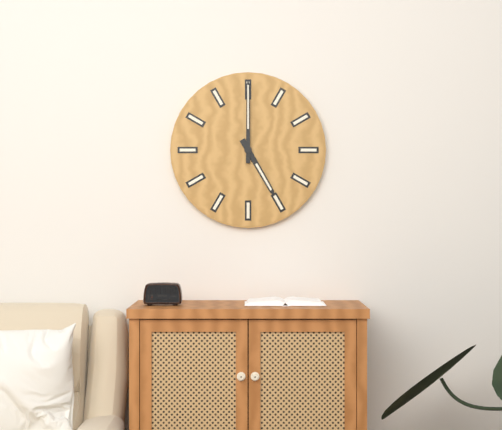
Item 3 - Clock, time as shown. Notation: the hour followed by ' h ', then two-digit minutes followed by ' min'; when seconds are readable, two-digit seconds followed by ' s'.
5 h 00 min
